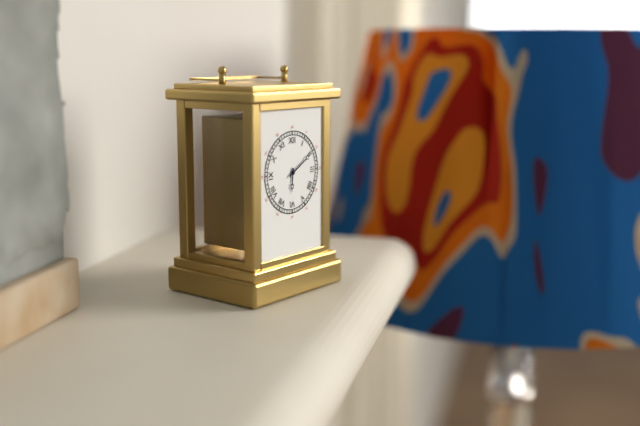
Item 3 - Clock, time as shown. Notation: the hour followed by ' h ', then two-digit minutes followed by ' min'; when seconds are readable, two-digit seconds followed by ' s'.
6 h 10 min
